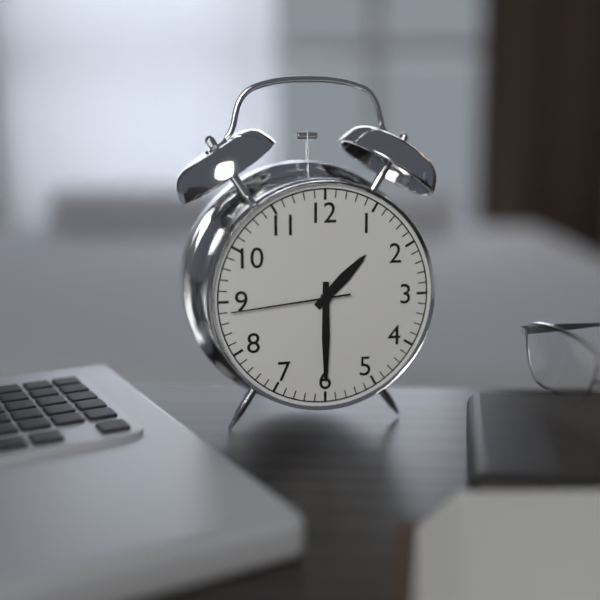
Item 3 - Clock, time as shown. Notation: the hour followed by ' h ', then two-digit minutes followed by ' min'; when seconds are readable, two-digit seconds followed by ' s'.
1 h 30 min 44 s
